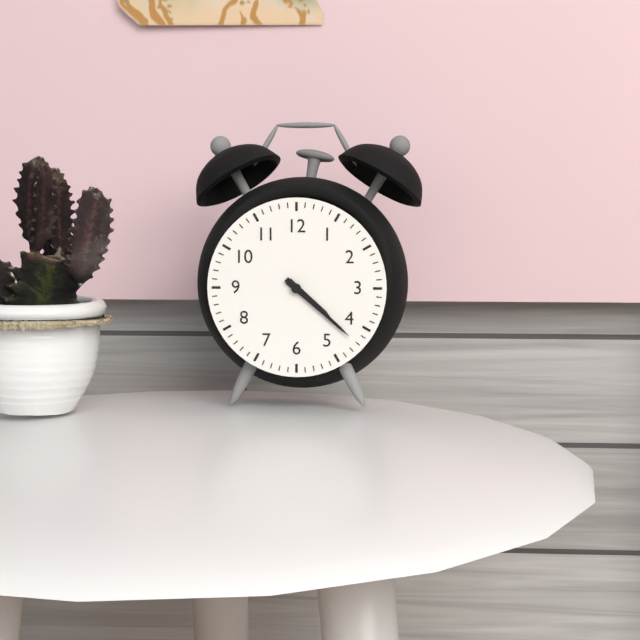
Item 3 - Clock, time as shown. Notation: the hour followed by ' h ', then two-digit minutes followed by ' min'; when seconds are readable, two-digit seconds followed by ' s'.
4 h 22 min
